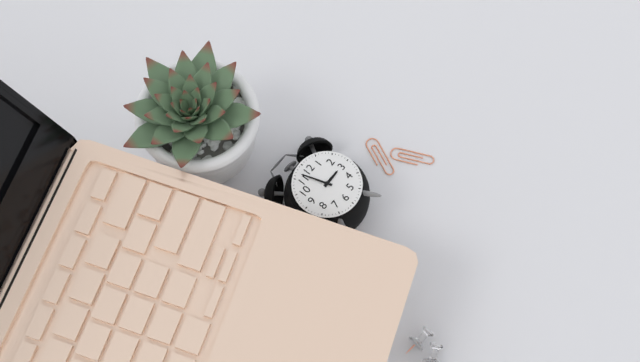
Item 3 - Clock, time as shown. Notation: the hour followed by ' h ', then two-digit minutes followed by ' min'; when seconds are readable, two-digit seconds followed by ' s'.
2 h 57 min
